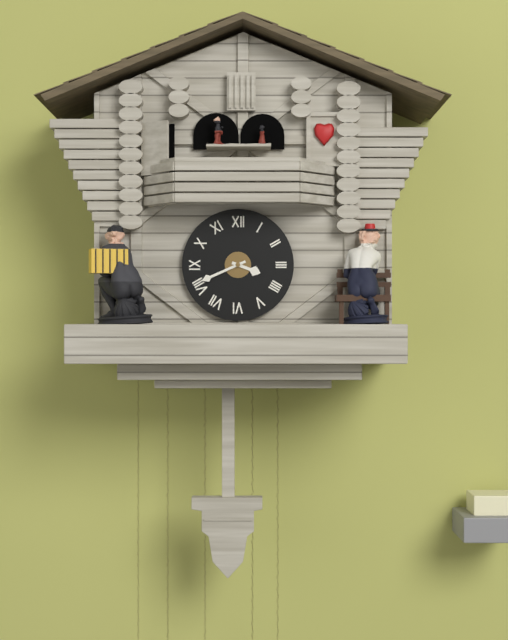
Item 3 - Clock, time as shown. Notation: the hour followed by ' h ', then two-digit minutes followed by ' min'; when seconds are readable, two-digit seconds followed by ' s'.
3 h 41 min
